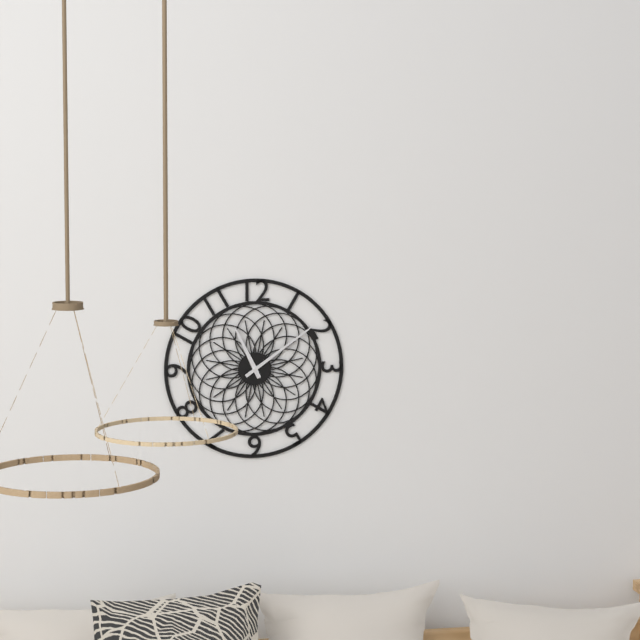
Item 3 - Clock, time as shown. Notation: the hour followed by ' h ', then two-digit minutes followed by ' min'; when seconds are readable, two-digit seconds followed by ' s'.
11 h 09 min
